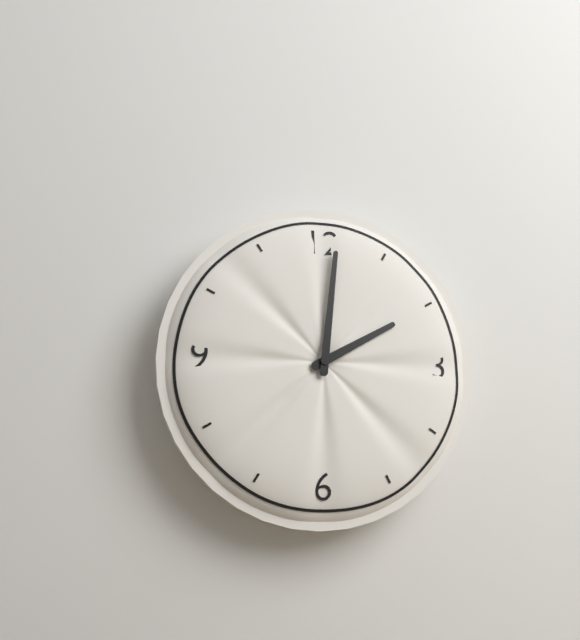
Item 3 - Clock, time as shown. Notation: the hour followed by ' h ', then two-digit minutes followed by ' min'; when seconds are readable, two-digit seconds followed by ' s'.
2 h 01 min
